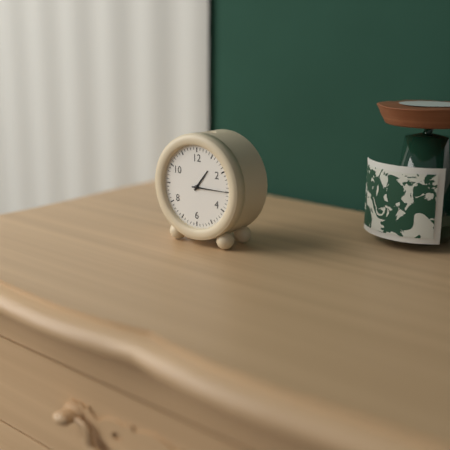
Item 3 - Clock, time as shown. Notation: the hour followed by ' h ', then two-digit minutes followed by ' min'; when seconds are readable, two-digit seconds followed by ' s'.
1 h 15 min
